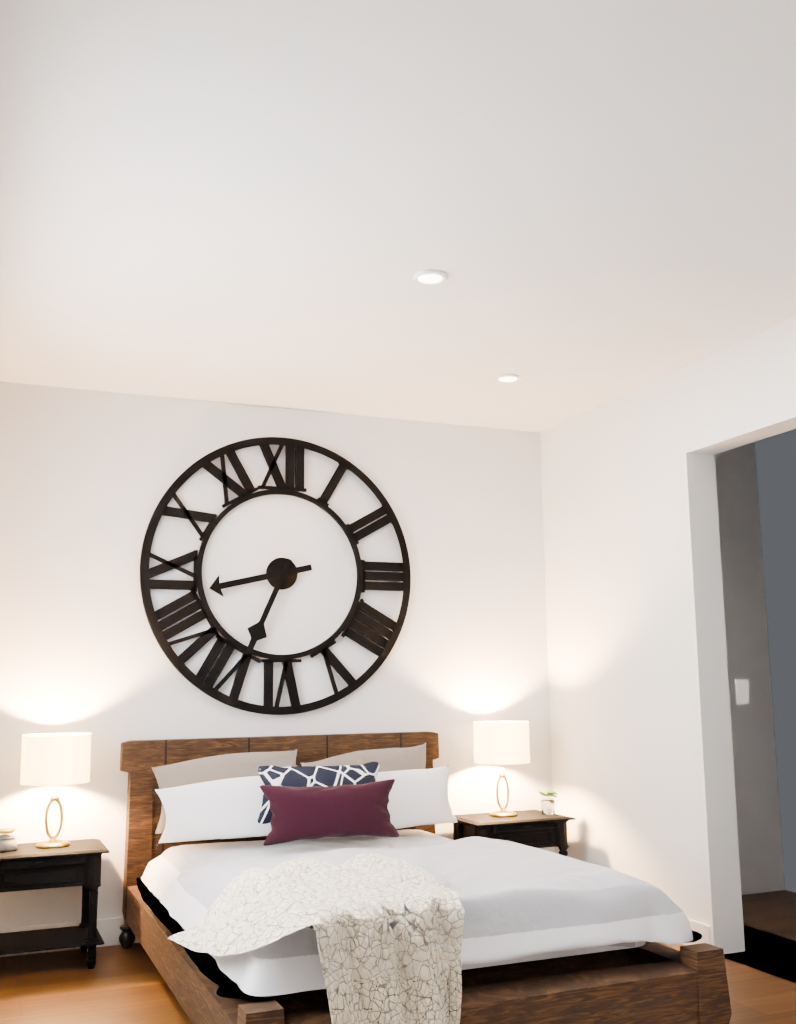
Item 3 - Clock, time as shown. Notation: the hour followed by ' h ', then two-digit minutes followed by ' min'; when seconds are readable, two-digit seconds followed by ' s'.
8 h 34 min
